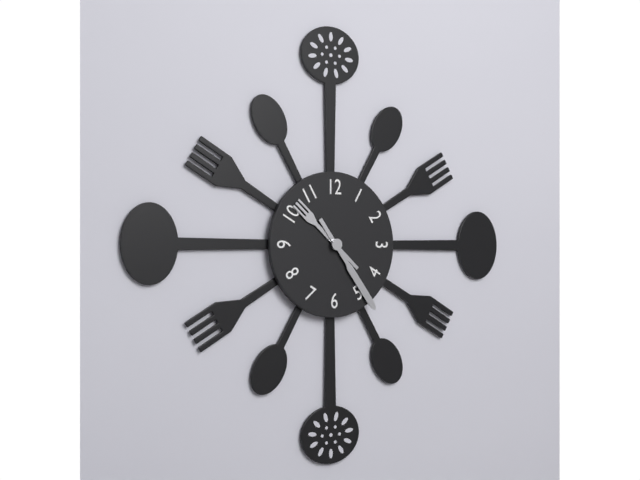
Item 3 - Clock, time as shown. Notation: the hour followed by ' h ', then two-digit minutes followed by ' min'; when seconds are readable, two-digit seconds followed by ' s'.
10 h 24 min
